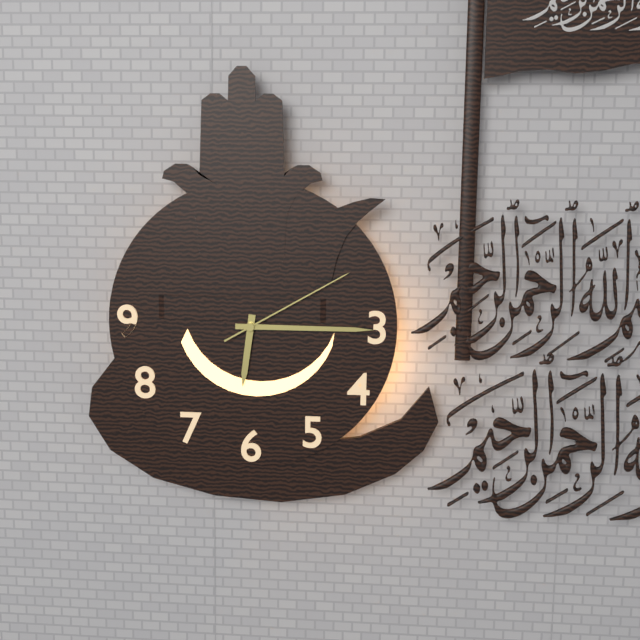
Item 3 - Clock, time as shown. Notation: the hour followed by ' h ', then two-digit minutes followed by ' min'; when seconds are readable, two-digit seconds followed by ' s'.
6 h 15 min 10 s
